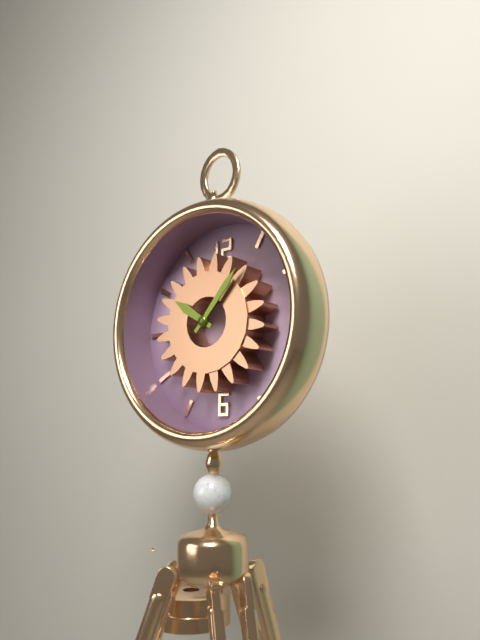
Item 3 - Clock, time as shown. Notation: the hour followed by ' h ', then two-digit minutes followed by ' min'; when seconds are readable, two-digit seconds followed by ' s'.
10 h 07 min
